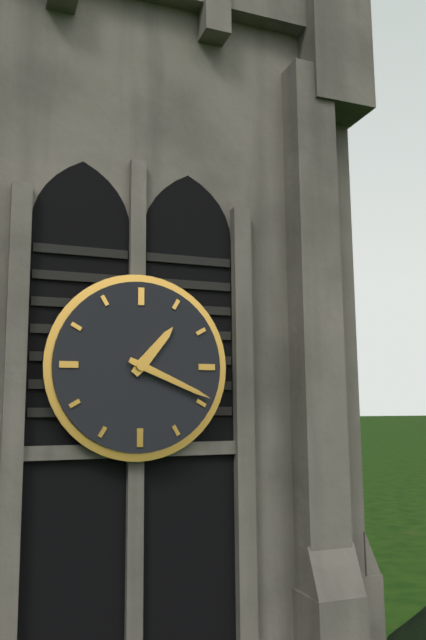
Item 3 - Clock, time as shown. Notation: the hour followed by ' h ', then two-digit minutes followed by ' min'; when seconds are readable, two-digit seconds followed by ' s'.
1 h 19 min
